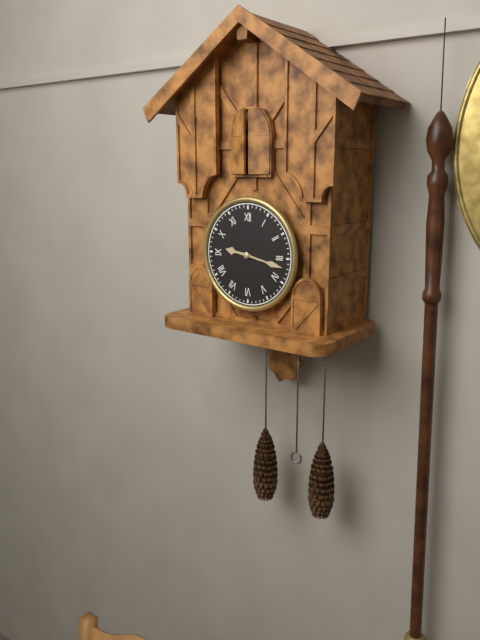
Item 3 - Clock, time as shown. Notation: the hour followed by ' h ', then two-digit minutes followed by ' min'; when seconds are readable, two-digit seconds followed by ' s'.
9 h 17 min
